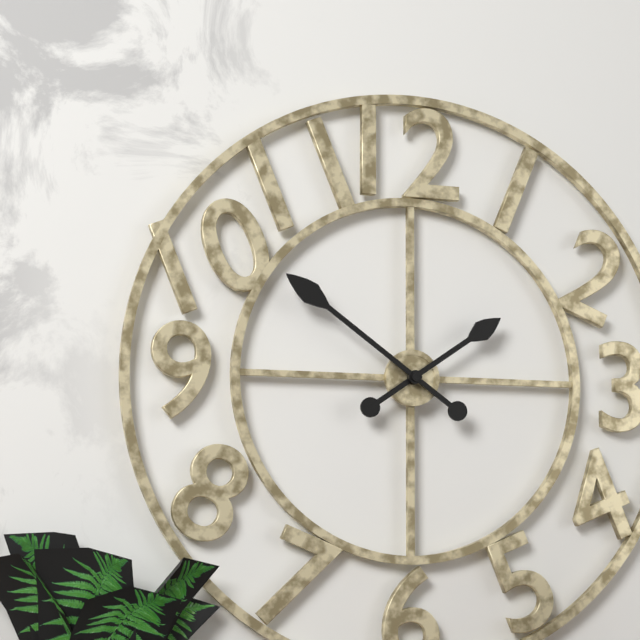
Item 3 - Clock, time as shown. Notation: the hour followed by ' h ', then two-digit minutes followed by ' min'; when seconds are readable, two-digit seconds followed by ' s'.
1 h 51 min
